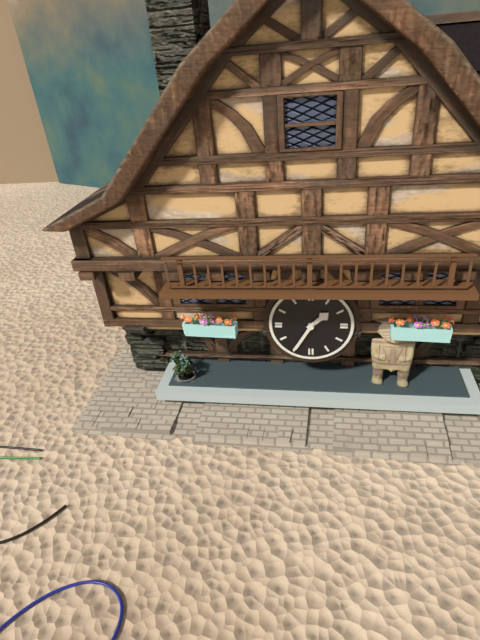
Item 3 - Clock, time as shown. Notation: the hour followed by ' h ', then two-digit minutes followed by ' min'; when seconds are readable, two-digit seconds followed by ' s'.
1 h 35 min
